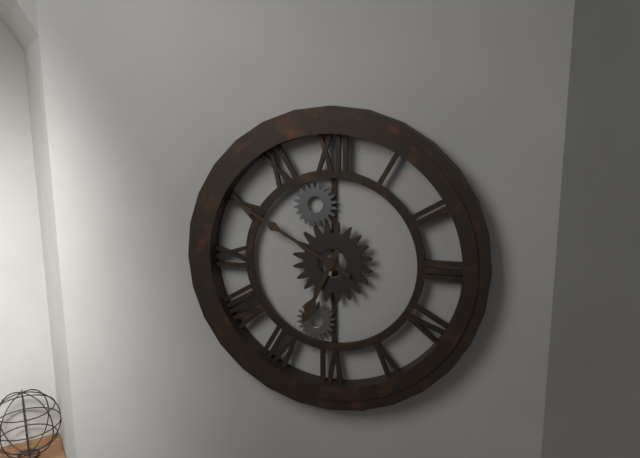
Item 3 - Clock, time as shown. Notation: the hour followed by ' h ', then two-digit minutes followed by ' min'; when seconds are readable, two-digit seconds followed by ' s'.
6 h 50 min
